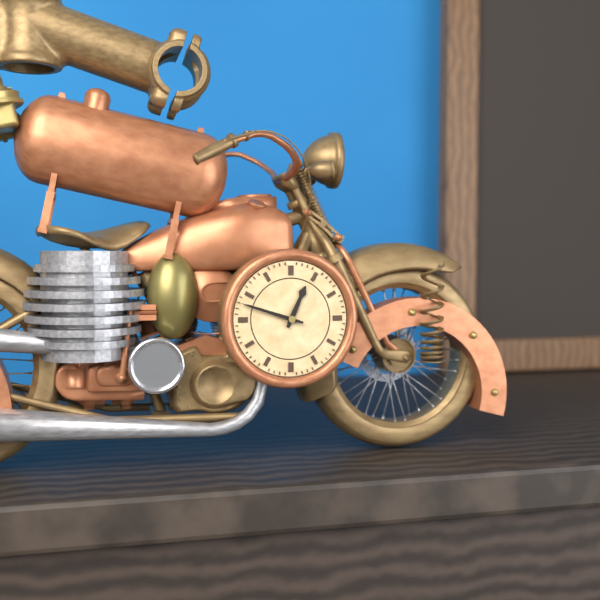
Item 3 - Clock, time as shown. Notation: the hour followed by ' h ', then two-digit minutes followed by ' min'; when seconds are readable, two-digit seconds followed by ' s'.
12 h 48 min
